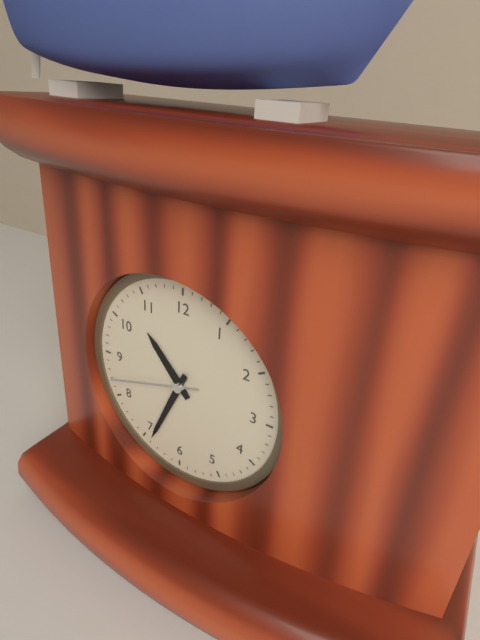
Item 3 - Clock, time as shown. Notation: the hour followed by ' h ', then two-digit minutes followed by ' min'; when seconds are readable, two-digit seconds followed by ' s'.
10 h 34 min 42 s
